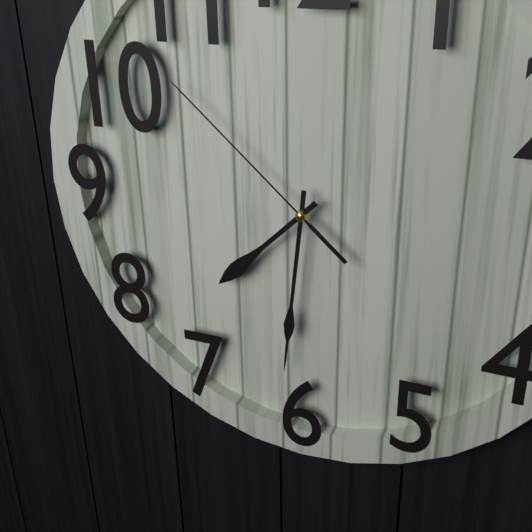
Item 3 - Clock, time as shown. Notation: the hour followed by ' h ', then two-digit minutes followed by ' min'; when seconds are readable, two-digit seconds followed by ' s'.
7 h 31 min 52 s
